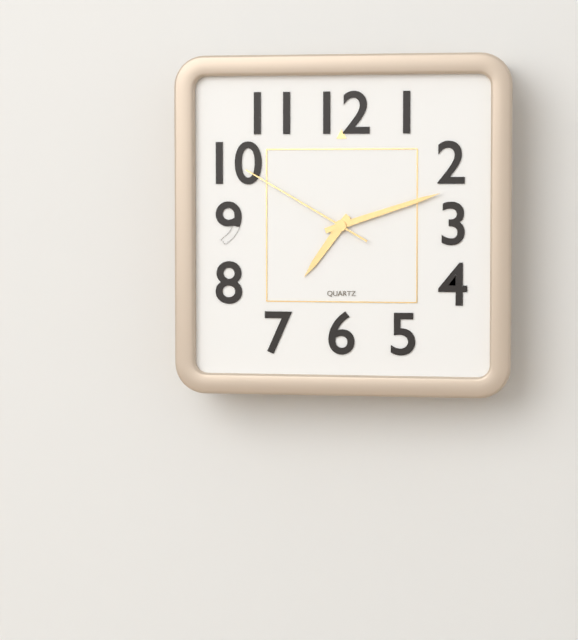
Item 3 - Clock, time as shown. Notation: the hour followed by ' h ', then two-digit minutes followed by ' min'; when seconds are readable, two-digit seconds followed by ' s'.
7 h 12 min 50 s
